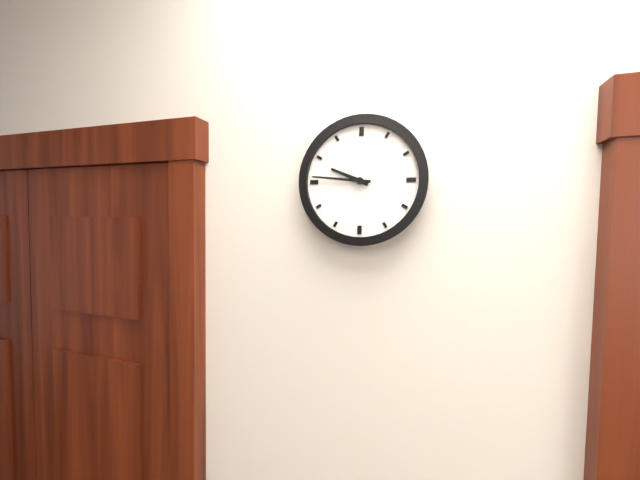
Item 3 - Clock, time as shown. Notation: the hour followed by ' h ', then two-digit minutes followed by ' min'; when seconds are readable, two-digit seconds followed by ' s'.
9 h 46 min
